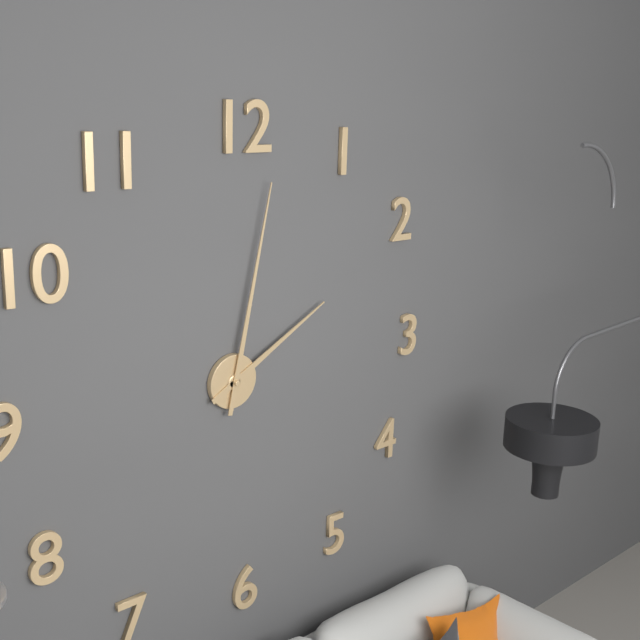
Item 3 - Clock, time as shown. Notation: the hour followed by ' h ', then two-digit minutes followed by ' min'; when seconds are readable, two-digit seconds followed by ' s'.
2 h 02 min
